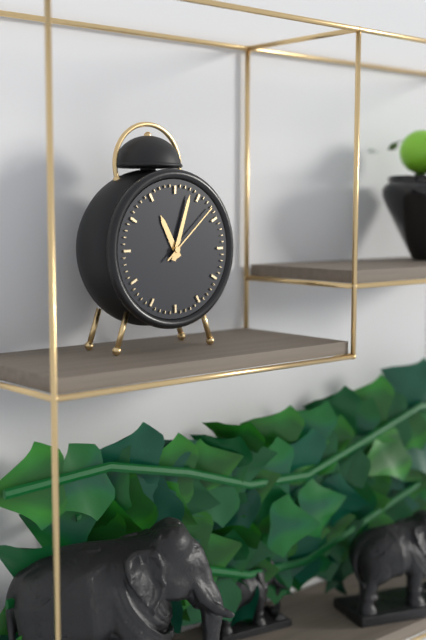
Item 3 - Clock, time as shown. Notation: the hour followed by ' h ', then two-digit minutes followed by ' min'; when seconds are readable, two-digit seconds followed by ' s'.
11 h 03 min 08 s
